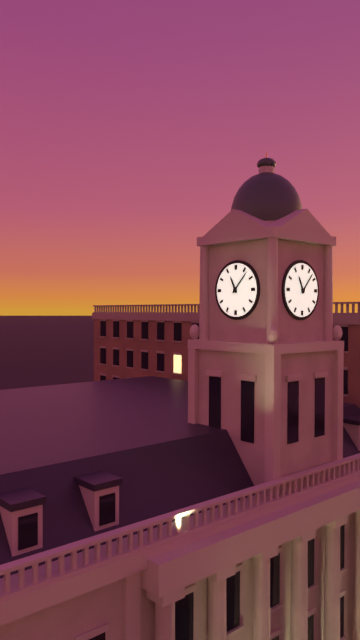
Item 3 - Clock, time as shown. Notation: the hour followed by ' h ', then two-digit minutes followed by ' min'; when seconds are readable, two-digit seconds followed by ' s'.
11 h 07 min
